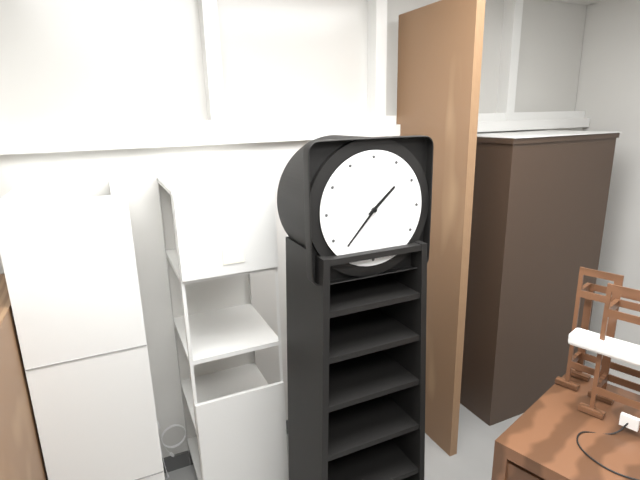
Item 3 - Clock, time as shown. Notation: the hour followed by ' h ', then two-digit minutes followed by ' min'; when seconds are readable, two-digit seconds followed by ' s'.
1 h 37 min
